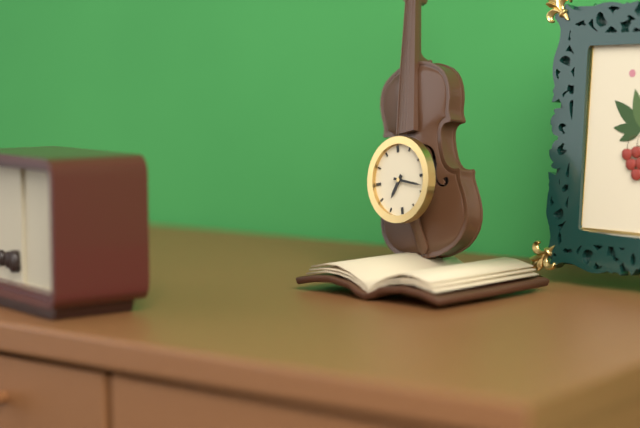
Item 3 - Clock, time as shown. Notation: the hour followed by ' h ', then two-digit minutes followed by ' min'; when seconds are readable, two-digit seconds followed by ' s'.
7 h 18 min
